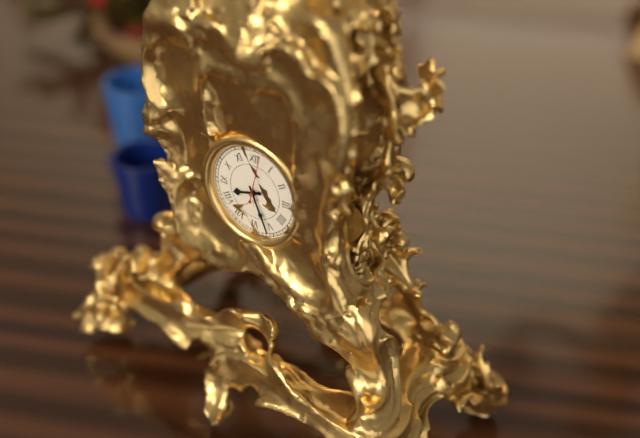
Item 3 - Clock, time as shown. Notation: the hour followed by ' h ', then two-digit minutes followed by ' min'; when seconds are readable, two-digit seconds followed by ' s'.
8 h 26 min
